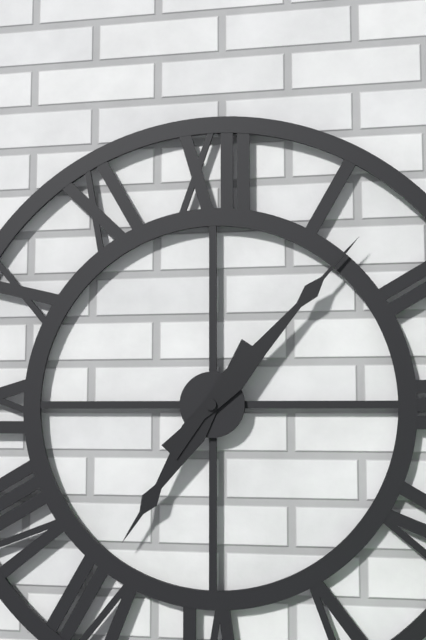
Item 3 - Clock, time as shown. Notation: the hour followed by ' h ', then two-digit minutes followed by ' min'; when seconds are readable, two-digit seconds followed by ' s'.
7 h 07 min
